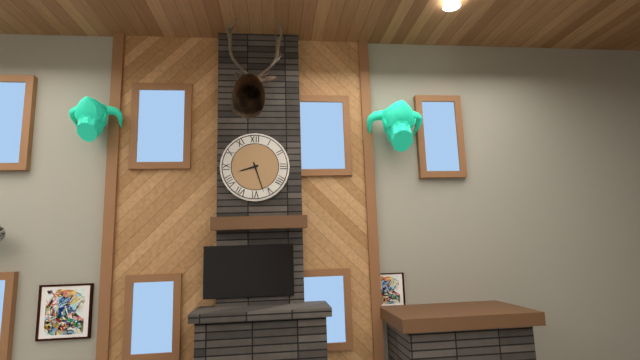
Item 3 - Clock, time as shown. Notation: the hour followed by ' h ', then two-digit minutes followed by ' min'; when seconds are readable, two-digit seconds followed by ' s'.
8 h 27 min
